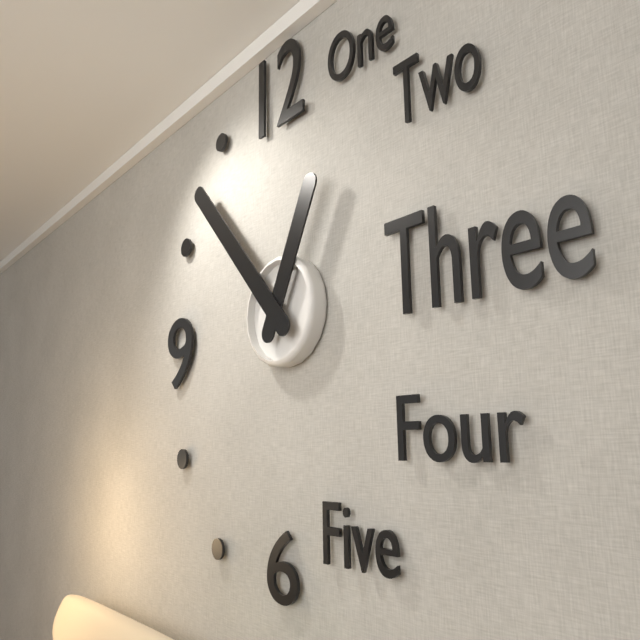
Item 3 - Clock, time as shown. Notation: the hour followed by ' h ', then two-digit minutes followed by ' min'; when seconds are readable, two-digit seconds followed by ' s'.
12 h 53 min
